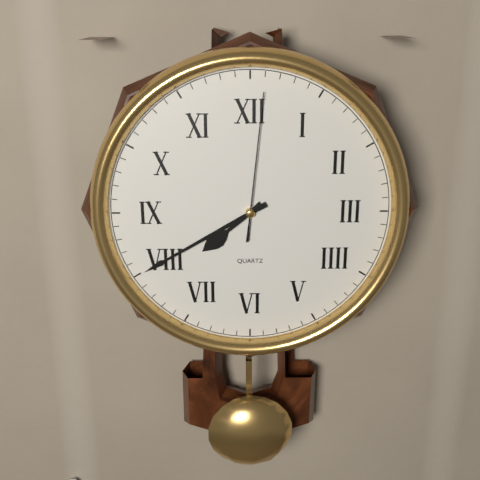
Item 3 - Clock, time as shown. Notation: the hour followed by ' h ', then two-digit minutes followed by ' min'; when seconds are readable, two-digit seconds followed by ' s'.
7 h 40 min 01 s
